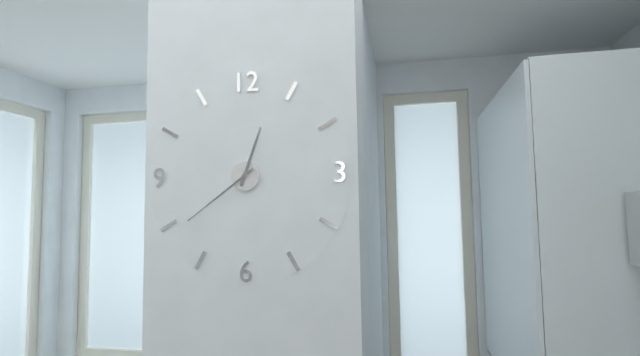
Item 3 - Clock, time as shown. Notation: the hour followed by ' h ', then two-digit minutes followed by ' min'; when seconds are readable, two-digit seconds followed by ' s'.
12 h 39 min
